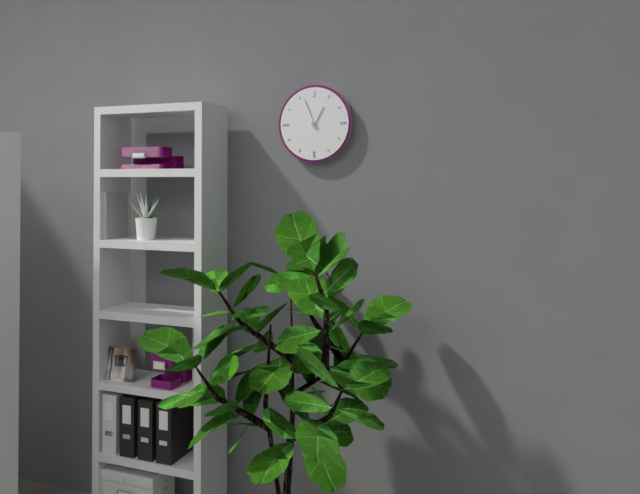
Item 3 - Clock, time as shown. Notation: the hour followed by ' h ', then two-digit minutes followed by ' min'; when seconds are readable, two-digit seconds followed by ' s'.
12 h 56 min
